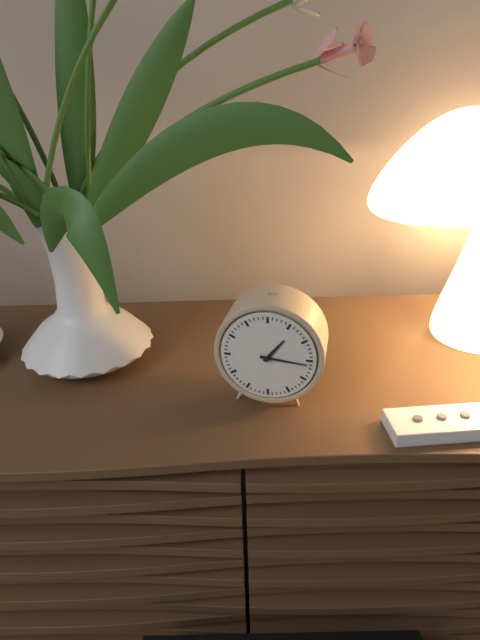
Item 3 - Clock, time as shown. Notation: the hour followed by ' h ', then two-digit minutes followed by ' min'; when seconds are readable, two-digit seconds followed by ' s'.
1 h 16 min
